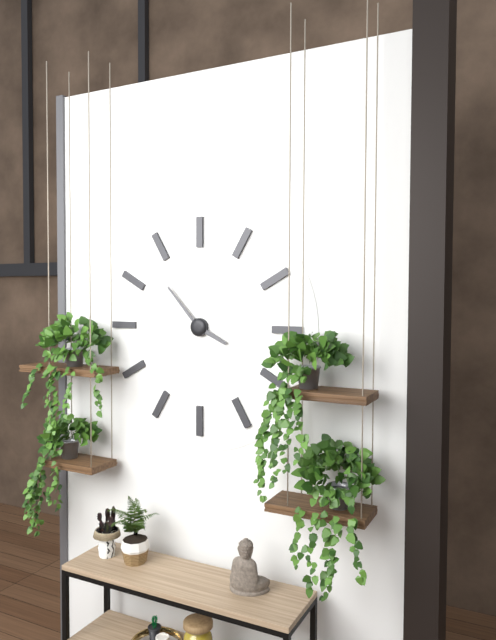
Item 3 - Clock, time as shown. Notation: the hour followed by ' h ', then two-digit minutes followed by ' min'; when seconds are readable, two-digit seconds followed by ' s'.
3 h 53 min
